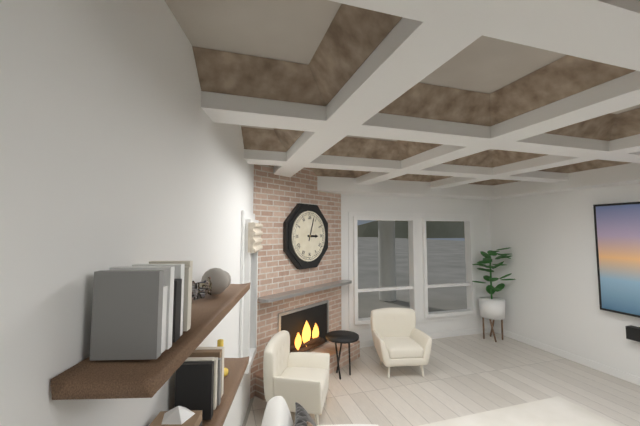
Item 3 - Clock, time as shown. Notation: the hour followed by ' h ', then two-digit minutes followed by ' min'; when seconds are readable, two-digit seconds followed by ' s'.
3 h 03 min
